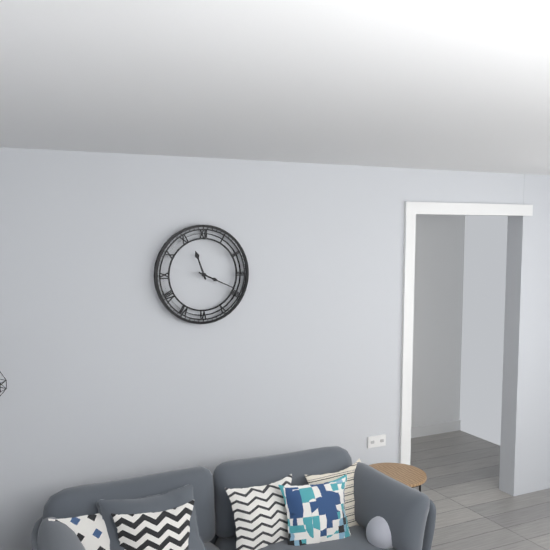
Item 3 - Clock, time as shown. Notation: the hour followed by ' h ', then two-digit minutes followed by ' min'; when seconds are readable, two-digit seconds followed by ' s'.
11 h 19 min
